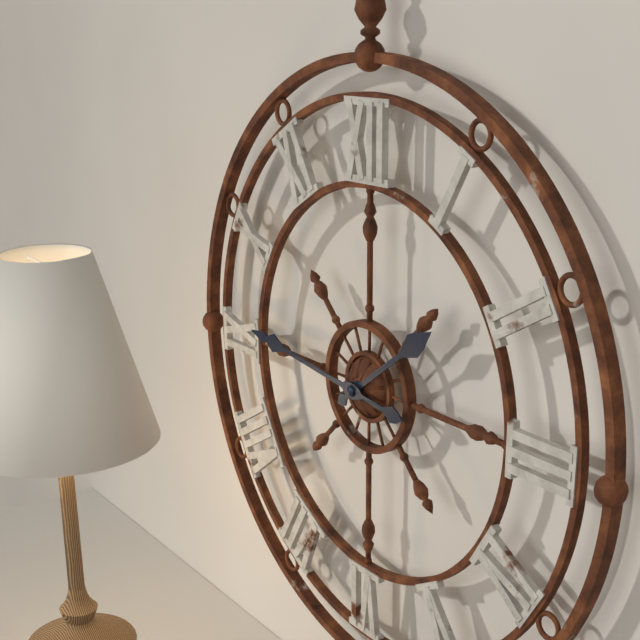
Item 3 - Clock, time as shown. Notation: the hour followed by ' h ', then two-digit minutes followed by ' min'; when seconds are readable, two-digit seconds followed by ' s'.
1 h 46 min
